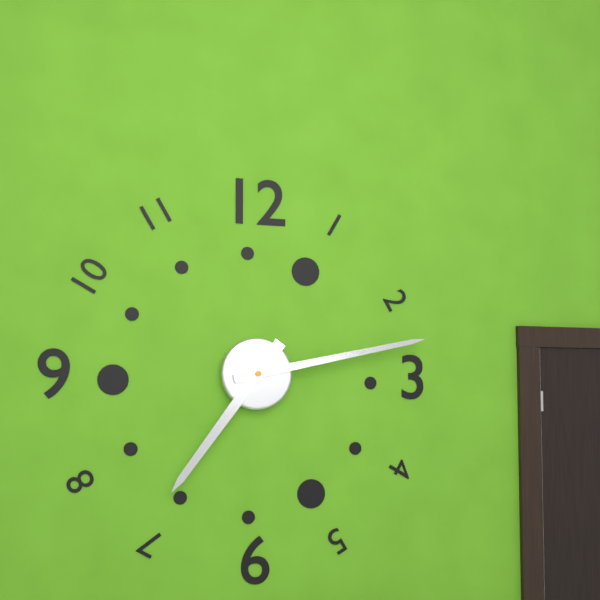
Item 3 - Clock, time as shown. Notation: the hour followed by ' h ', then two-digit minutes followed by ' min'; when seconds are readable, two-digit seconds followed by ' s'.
7 h 13 min
